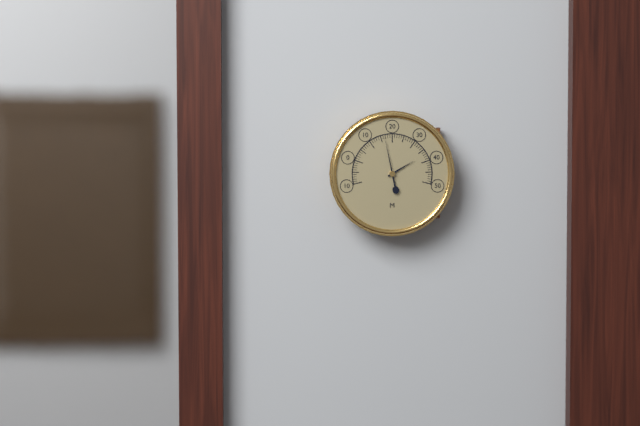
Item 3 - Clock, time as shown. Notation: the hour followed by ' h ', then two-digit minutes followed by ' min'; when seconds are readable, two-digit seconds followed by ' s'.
1 h 58 min
